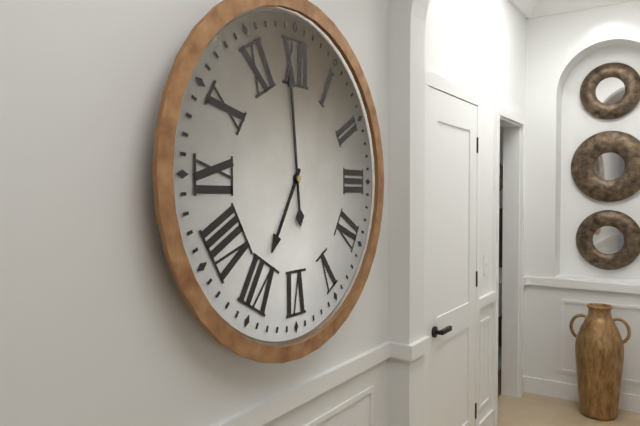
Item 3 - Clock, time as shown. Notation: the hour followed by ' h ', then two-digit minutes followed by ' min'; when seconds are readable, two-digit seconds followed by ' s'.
6 h 59 min
